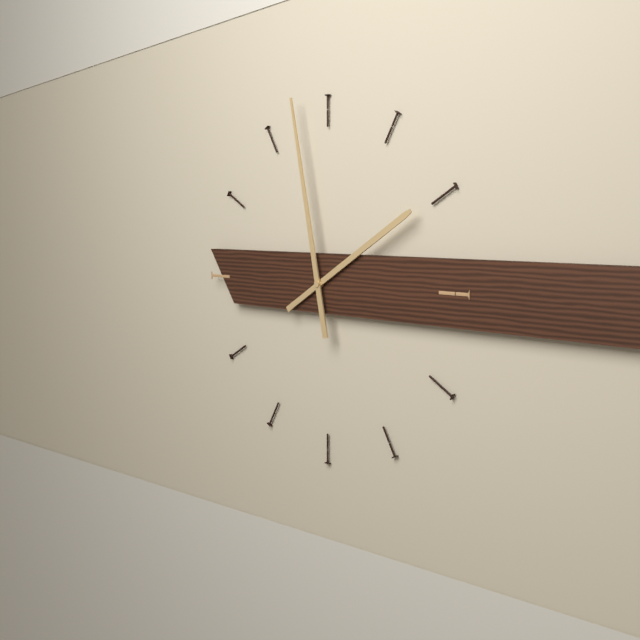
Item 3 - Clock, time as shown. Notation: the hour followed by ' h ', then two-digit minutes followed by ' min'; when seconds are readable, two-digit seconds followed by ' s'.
1 h 58 min
